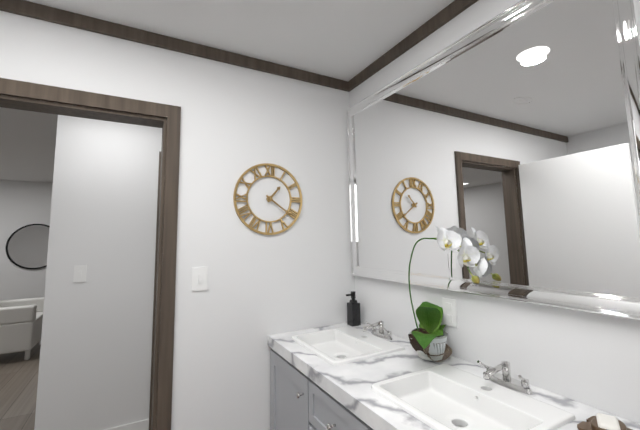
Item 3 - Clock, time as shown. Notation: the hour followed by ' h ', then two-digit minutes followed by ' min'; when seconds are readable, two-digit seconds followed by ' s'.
1 h 21 min
